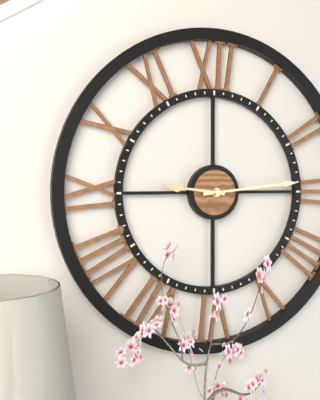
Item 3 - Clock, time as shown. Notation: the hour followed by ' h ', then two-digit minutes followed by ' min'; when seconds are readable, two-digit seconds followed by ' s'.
9 h 14 min
